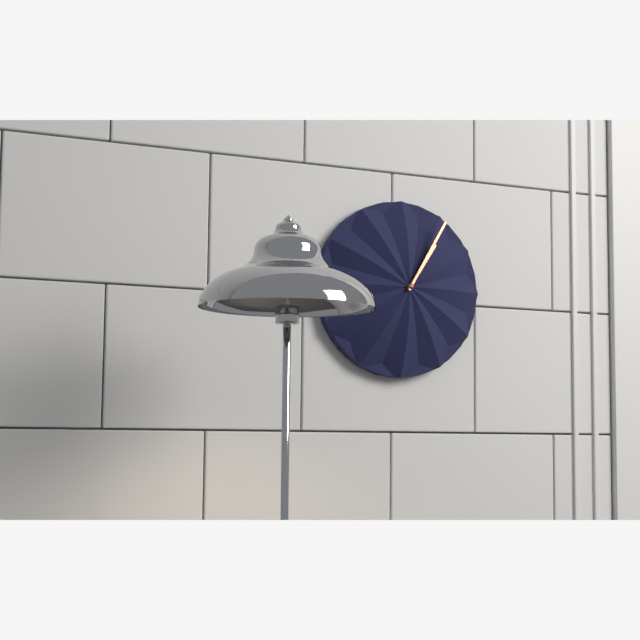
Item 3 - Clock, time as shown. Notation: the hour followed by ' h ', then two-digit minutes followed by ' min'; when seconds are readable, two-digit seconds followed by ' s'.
1 h 05 min
